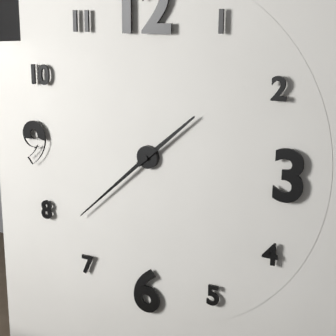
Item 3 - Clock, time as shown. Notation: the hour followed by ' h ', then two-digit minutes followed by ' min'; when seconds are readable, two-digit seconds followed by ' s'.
1 h 38 min
